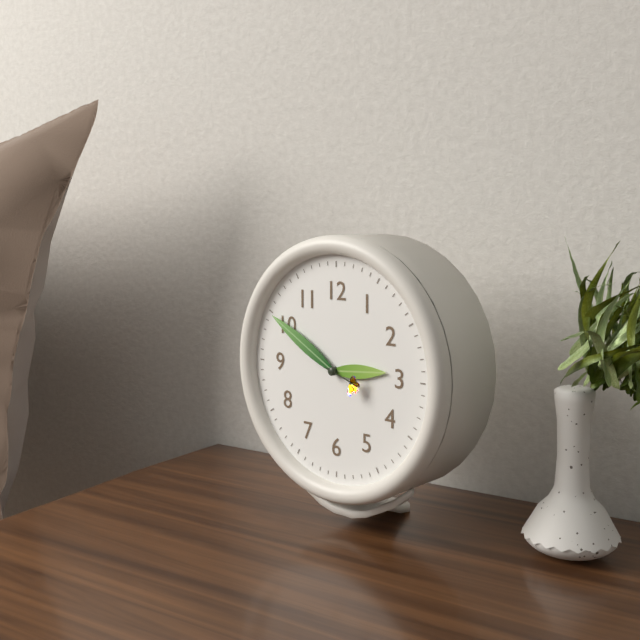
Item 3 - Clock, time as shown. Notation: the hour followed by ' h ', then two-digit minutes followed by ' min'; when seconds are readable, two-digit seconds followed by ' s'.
2 h 50 min
